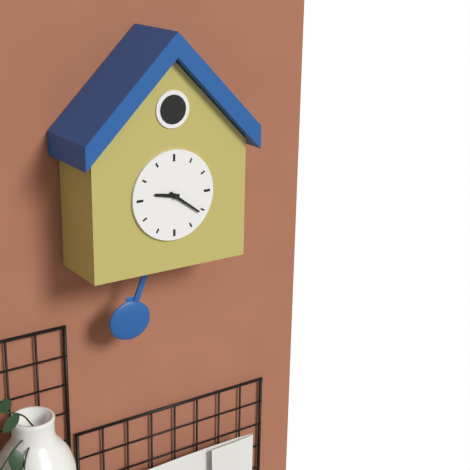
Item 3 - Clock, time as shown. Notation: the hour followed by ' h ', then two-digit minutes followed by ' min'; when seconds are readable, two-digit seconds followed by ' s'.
9 h 21 min
